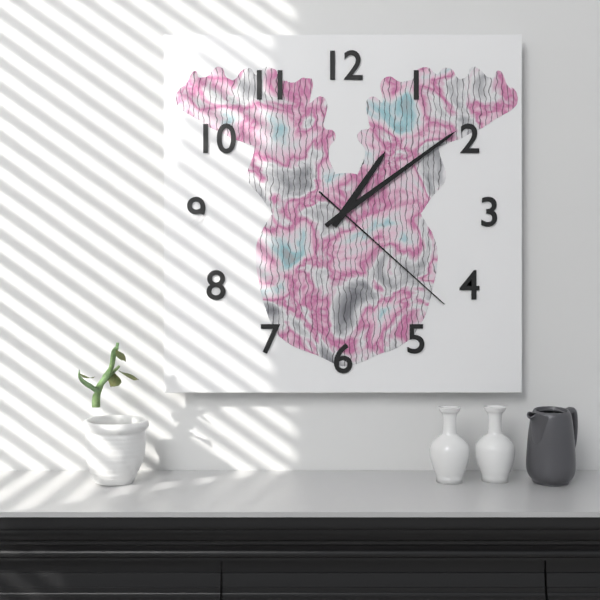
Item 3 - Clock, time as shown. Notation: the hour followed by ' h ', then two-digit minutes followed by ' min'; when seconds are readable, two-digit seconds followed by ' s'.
1 h 09 min 22 s
